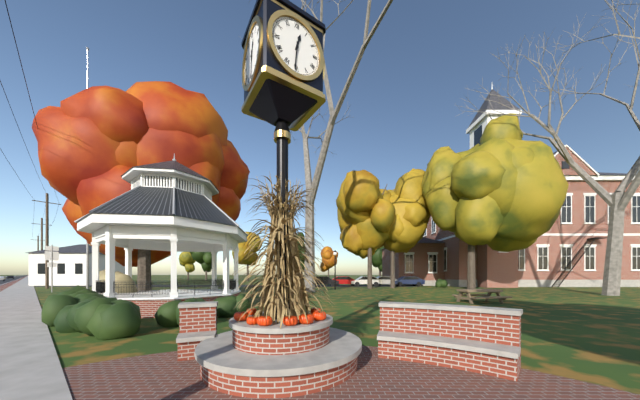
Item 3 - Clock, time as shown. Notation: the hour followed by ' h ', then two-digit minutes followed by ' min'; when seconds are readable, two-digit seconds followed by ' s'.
12 h 31 min
